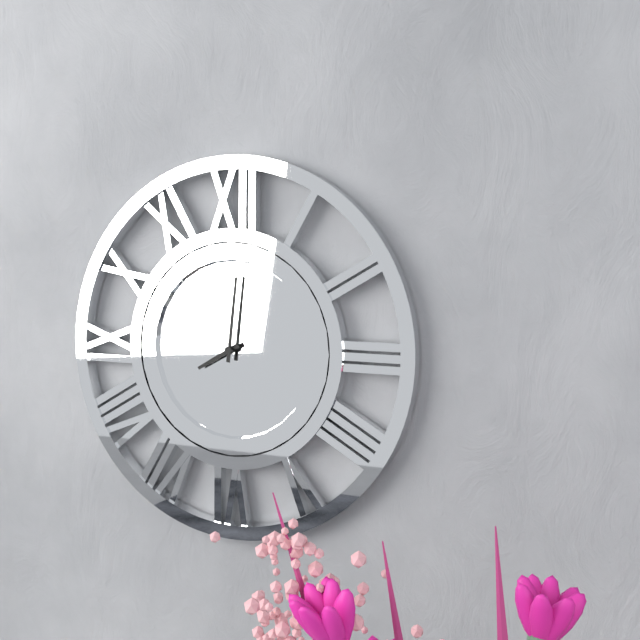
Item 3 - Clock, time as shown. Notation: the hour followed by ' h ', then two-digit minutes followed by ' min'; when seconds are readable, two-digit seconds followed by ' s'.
8 h 01 min
